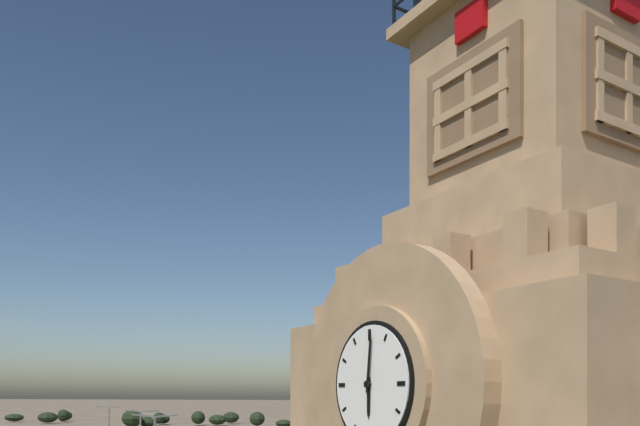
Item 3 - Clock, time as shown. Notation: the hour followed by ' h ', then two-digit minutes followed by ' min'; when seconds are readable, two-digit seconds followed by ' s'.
6 h 01 min
